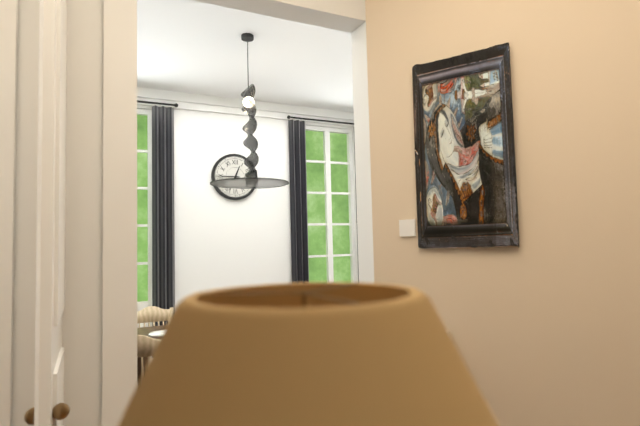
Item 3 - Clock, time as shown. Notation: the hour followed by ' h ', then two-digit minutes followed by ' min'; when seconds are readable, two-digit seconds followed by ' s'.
12 h 45 min
